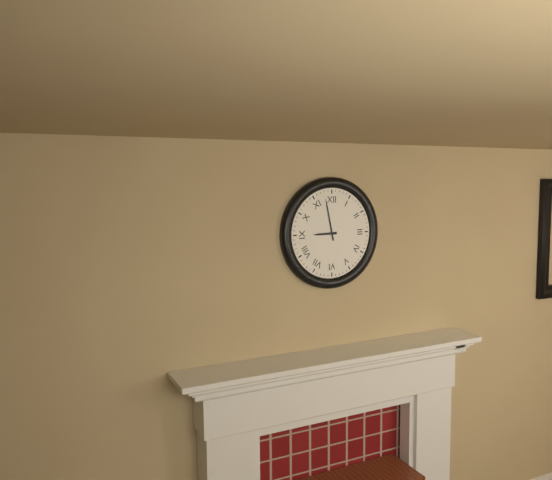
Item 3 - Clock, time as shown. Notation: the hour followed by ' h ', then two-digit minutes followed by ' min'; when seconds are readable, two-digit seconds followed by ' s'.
8 h 58 min
